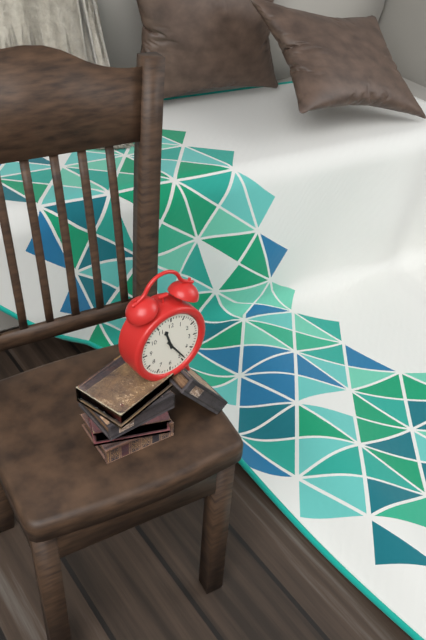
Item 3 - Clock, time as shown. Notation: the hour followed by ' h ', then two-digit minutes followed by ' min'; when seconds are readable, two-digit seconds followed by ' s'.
11 h 24 min
